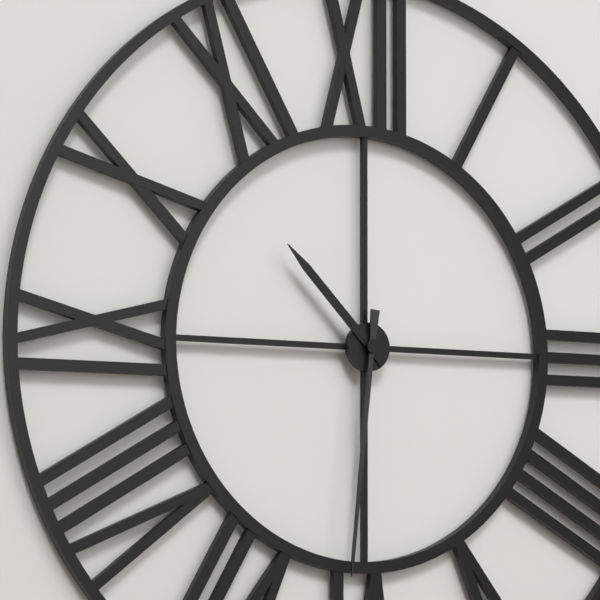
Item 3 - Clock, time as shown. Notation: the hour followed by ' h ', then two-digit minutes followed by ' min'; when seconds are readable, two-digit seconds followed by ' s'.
10 h 31 min
